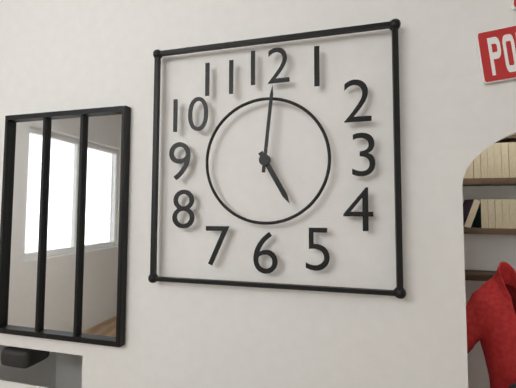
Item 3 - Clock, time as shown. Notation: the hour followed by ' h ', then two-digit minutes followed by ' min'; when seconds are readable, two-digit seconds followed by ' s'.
5 h 01 min
